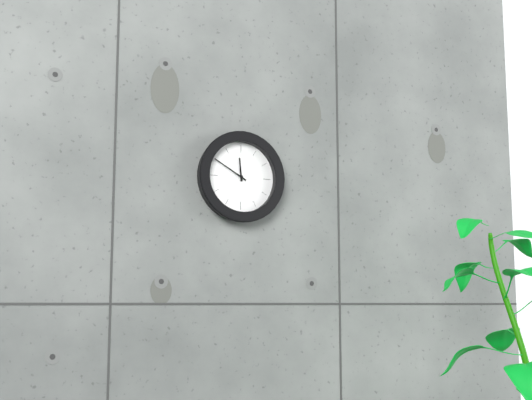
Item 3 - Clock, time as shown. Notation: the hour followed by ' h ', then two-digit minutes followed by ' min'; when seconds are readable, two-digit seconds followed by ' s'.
11 h 50 min
